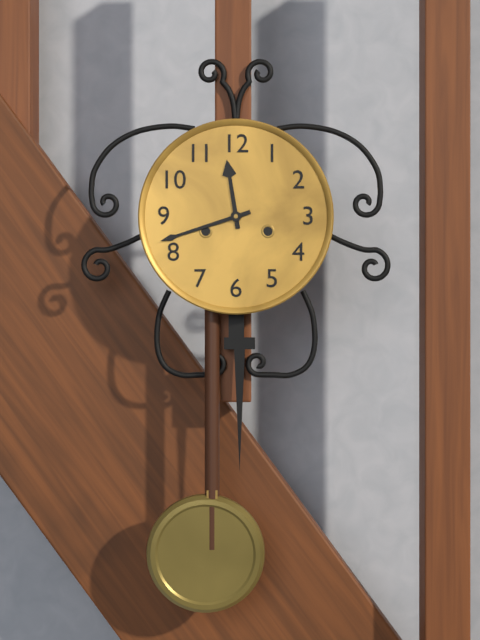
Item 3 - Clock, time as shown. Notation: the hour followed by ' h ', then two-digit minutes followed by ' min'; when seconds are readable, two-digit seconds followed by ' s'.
11 h 42 min
